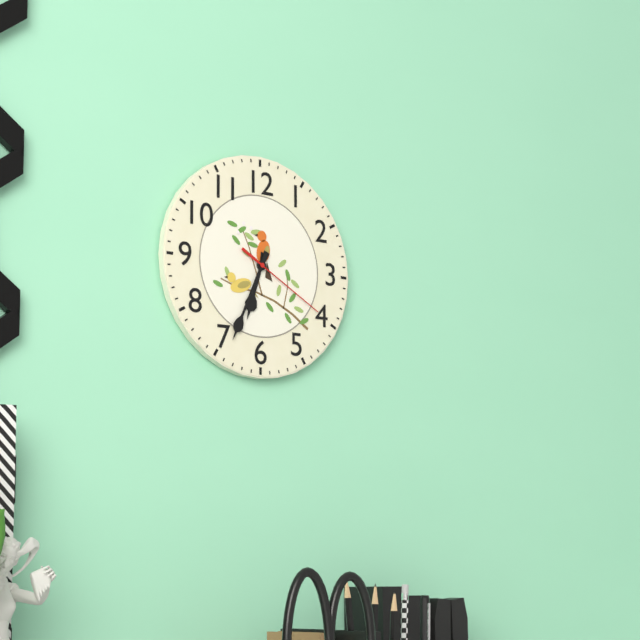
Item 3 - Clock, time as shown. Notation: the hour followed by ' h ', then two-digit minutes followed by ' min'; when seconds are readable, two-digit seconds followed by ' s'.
6 h 34 min 20 s
